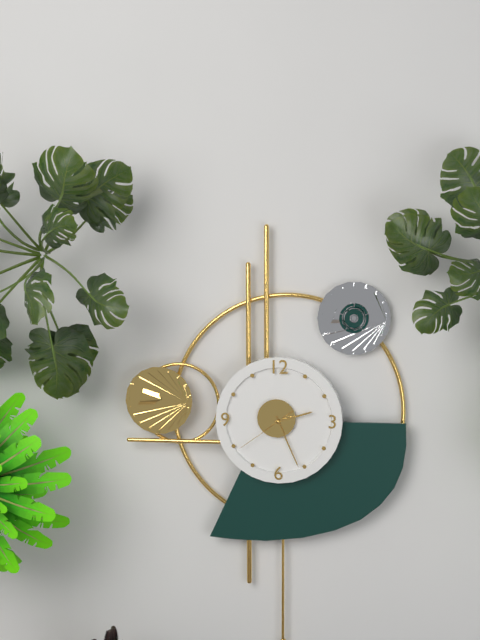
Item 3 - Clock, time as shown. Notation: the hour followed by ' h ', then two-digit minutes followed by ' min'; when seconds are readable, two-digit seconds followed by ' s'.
2 h 26 min 39 s
